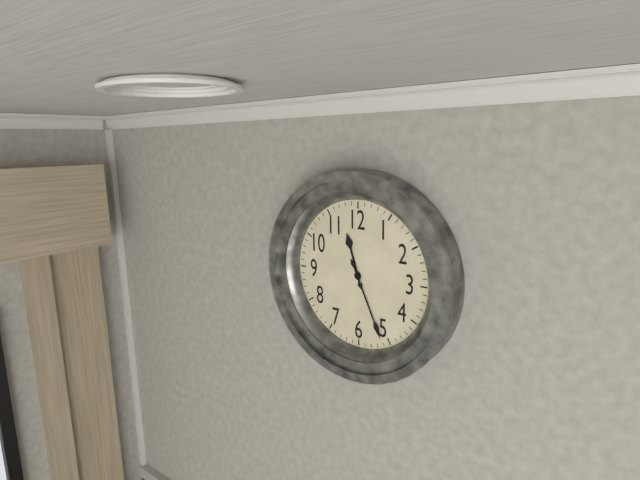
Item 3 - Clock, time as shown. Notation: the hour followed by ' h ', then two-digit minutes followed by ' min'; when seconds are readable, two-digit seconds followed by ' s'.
11 h 26 min
